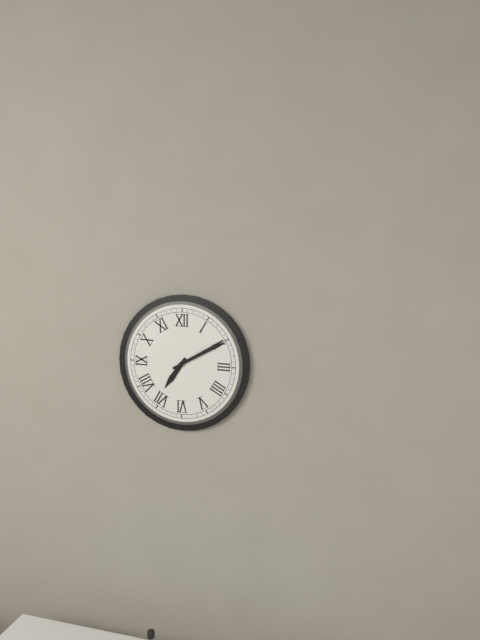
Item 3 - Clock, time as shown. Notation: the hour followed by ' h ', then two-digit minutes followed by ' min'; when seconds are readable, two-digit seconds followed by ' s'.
7 h 10 min
